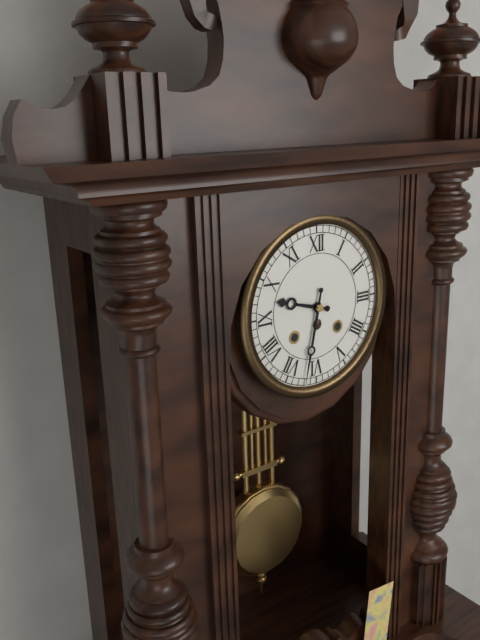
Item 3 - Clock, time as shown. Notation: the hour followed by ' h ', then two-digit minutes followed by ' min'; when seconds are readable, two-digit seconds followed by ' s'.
9 h 32 min
